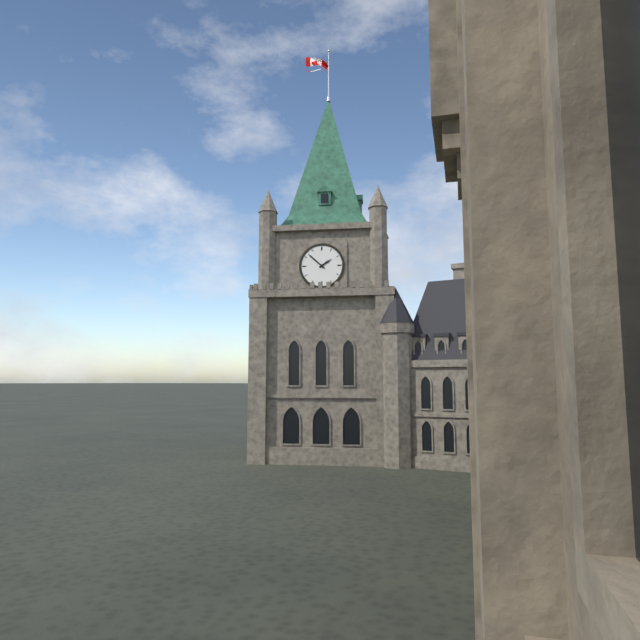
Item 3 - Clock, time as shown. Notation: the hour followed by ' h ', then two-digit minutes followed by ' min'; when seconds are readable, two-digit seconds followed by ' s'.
1 h 52 min
